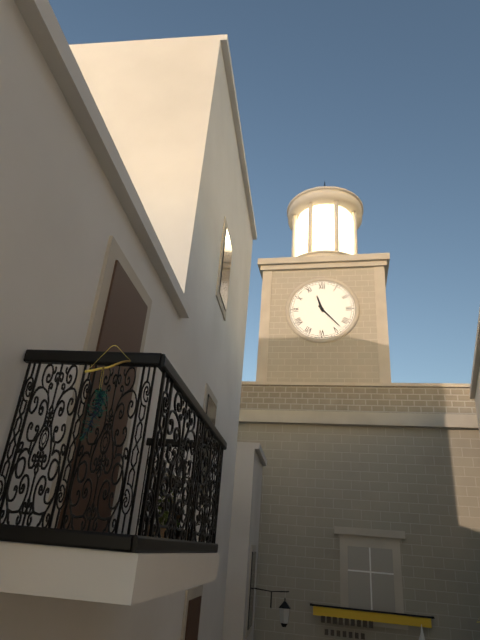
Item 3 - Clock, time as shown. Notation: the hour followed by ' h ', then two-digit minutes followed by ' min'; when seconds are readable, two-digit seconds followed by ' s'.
11 h 23 min
